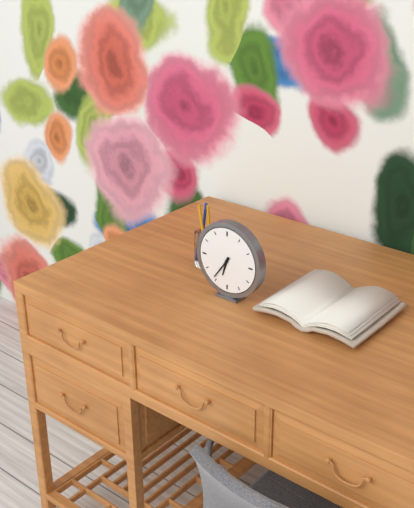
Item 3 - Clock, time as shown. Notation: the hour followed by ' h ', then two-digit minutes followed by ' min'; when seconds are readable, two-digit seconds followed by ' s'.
6 h 36 min
